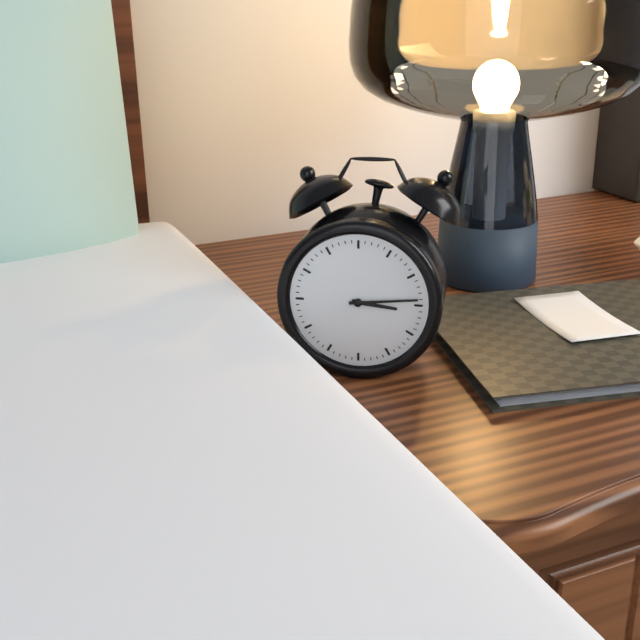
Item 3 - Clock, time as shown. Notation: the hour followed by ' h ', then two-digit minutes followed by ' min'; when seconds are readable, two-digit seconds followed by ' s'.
3 h 14 min
